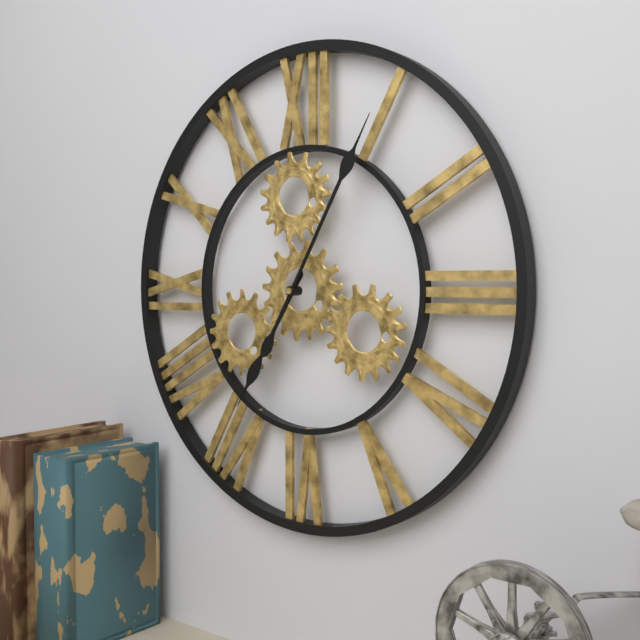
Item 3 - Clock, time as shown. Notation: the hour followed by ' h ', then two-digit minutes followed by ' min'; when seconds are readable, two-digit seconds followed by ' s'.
7 h 05 min
